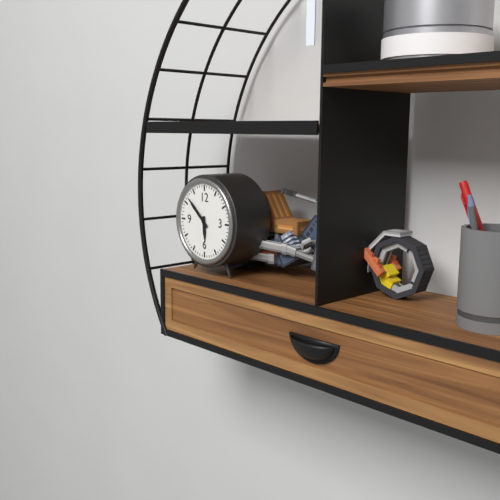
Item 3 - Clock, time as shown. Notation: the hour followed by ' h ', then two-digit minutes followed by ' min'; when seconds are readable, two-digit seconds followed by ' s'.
5 h 52 min
